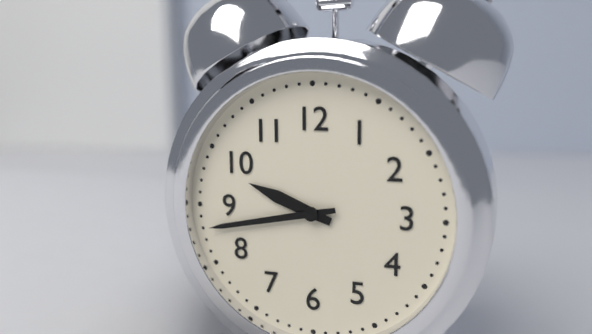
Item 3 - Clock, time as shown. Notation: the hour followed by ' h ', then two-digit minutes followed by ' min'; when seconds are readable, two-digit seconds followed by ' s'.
9 h 43 min
